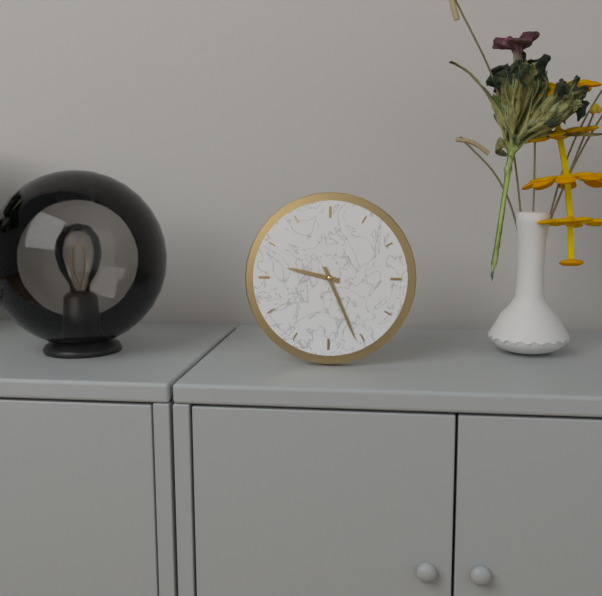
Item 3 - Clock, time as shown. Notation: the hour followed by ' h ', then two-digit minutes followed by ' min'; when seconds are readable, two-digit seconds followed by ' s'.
9 h 26 min
